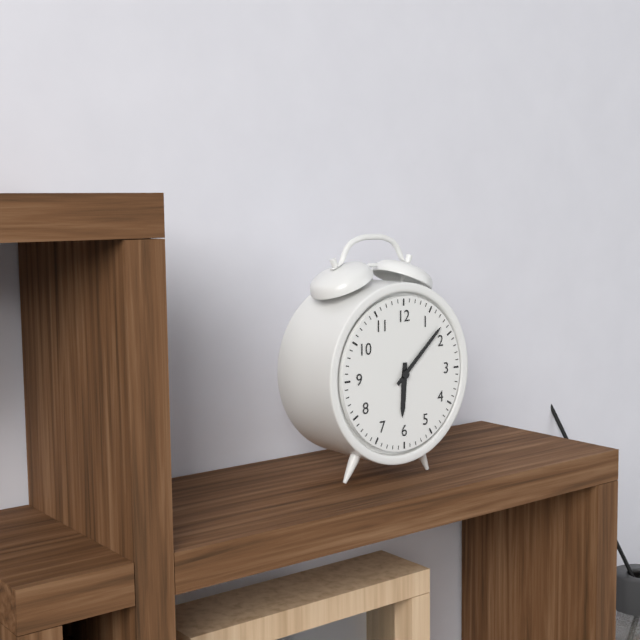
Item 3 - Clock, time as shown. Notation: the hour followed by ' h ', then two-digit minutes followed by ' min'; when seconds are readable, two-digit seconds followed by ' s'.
6 h 08 min
